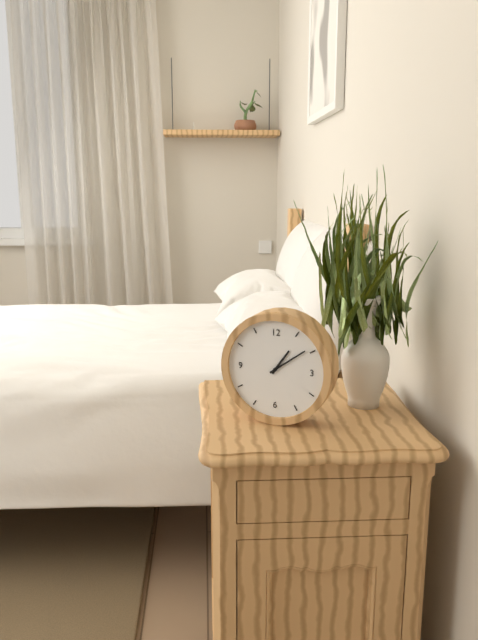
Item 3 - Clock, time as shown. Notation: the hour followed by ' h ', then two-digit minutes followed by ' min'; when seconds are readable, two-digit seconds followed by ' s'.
1 h 09 min
